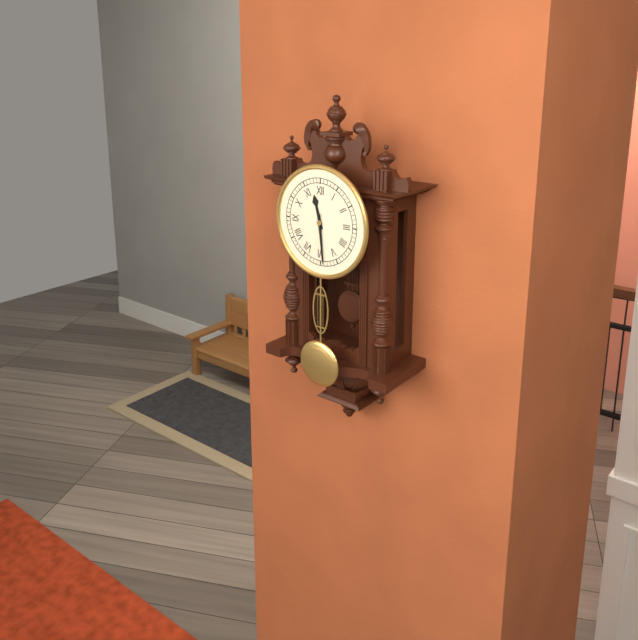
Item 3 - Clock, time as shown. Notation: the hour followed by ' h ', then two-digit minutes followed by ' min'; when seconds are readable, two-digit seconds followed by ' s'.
11 h 29 min
